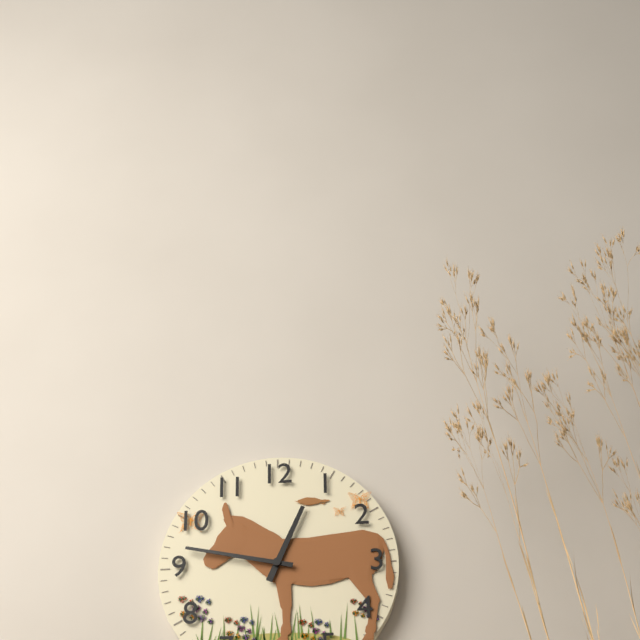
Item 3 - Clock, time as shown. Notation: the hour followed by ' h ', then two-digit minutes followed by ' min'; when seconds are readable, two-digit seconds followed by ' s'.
12 h 47 min
